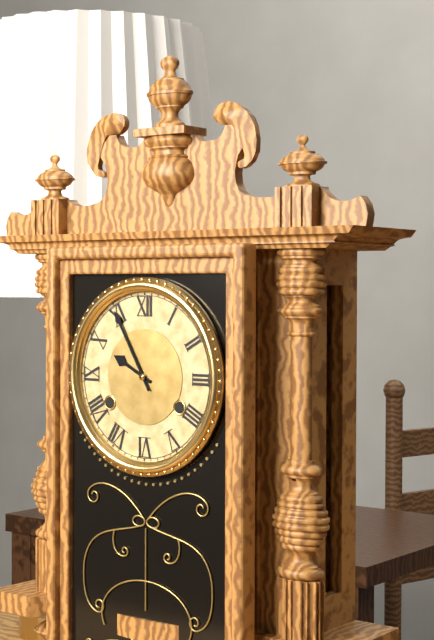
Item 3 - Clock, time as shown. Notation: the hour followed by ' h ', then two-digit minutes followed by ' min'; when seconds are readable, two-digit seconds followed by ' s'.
9 h 55 min
